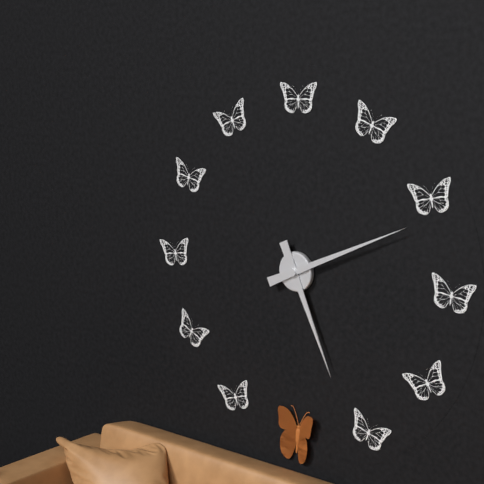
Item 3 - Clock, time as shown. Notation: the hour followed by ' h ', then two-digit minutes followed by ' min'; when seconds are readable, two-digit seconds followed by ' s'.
5 h 11 min
